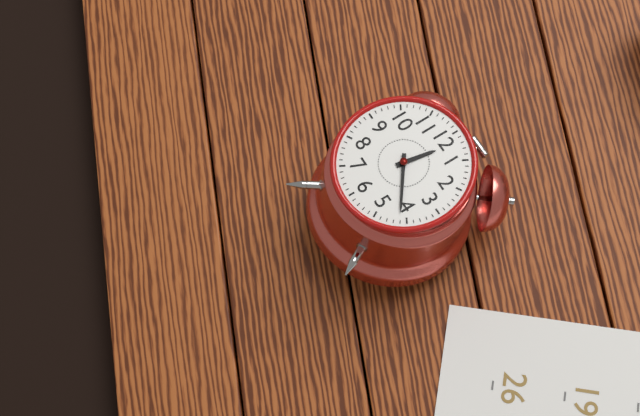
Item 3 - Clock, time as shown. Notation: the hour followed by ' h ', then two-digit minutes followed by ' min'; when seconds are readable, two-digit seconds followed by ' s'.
12 h 21 min
